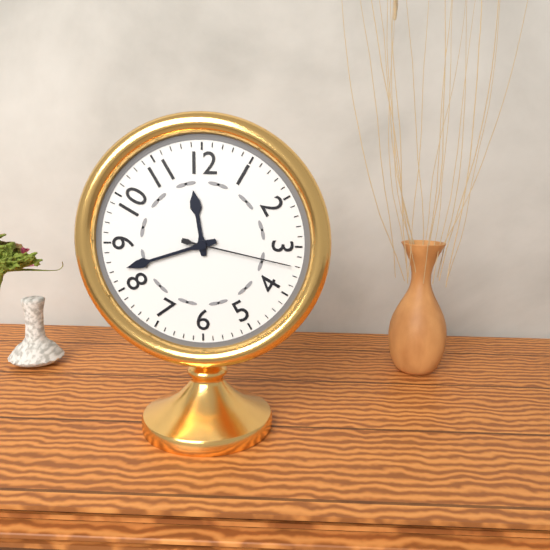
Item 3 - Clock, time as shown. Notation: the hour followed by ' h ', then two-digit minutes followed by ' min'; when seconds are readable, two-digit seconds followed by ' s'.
11 h 42 min 17 s
